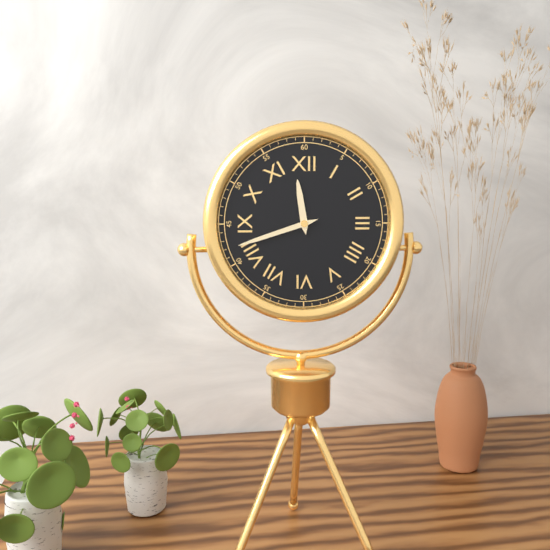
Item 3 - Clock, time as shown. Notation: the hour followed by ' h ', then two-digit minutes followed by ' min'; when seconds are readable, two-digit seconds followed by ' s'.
11 h 42 min
